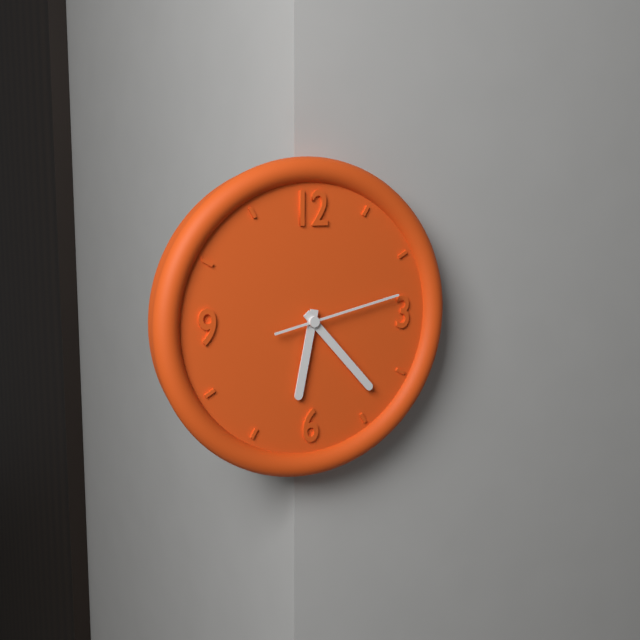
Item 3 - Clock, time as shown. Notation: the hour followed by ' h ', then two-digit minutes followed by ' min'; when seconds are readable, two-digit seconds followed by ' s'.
6 h 23 min 13 s
